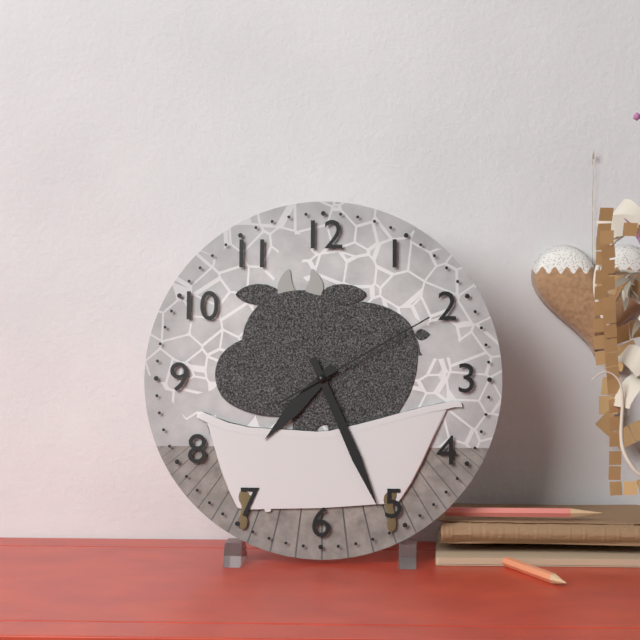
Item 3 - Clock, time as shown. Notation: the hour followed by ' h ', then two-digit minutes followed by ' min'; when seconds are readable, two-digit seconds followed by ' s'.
7 h 26 min 10 s
